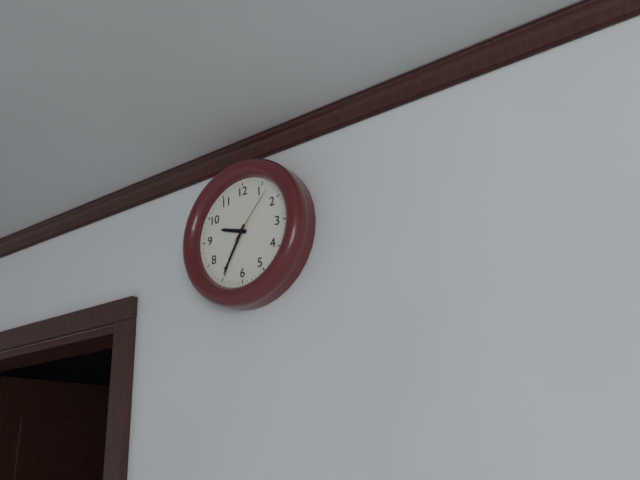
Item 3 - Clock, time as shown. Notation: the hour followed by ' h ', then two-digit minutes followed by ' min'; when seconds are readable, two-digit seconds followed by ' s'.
9 h 35 min 07 s
